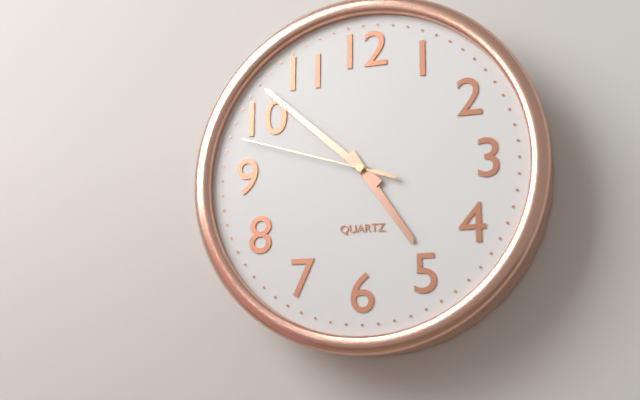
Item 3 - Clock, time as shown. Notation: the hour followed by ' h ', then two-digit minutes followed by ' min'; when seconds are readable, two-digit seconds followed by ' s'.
4 h 52 min 48 s
